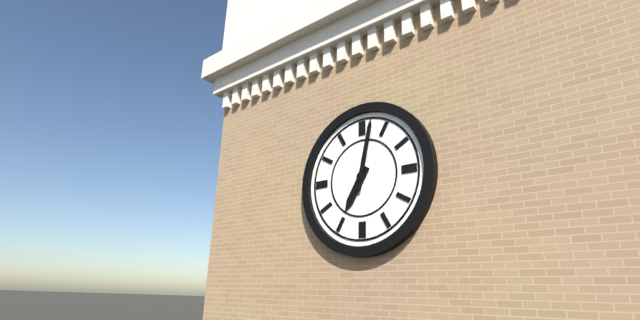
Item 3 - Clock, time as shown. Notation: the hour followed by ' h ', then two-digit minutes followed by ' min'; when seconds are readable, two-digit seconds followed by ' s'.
7 h 02 min
